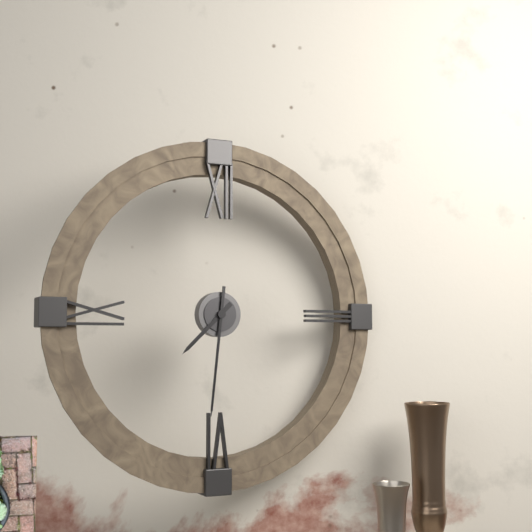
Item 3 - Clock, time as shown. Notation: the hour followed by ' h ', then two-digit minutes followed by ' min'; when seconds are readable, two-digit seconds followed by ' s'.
7 h 31 min
